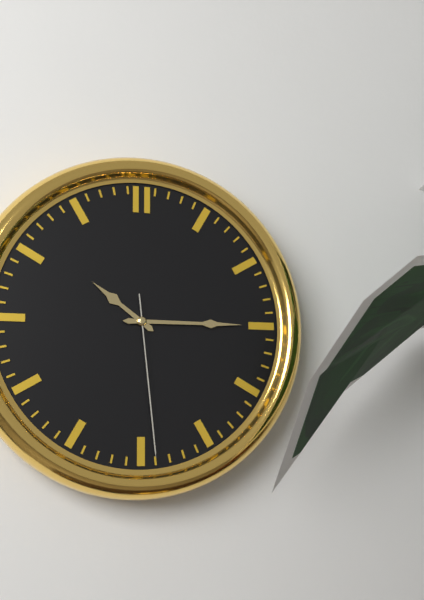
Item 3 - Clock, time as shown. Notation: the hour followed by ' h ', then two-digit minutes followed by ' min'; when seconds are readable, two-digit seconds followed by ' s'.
10 h 15 min 29 s
